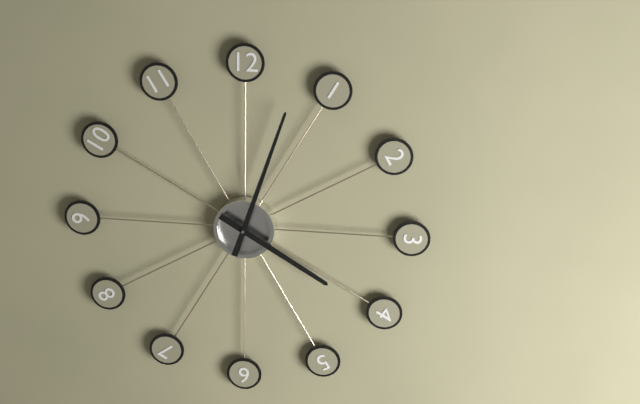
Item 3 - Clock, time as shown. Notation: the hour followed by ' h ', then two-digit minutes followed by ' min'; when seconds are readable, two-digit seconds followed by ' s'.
4 h 03 min
